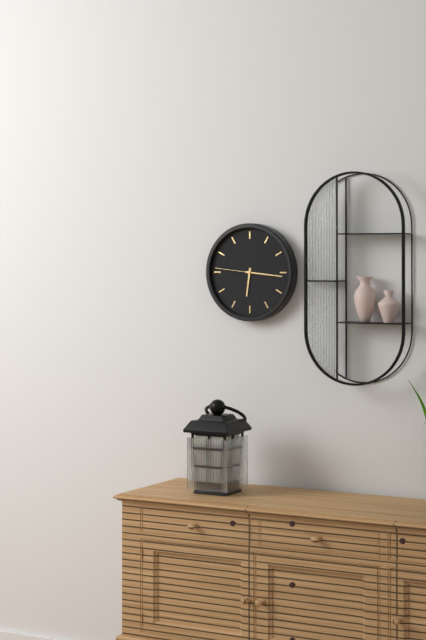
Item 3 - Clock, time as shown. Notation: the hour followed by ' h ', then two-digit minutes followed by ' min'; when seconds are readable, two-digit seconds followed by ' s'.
6 h 16 min
